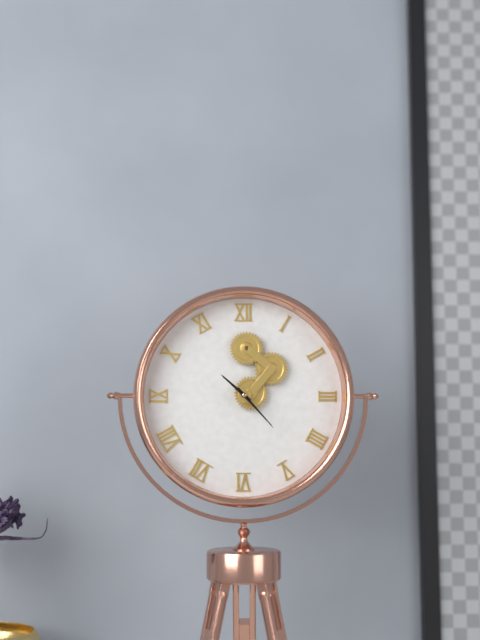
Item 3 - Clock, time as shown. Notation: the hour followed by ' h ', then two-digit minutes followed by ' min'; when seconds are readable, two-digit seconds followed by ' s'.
10 h 23 min
